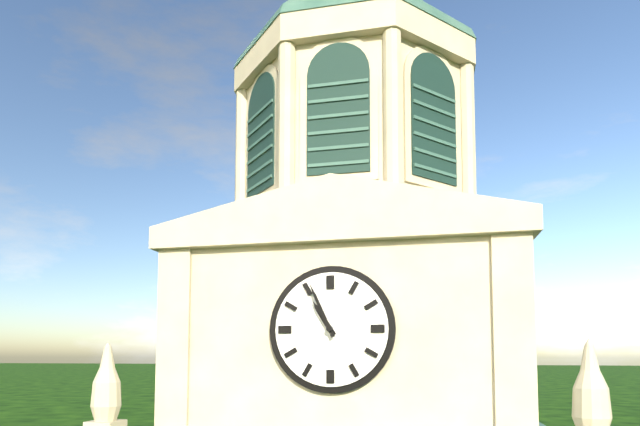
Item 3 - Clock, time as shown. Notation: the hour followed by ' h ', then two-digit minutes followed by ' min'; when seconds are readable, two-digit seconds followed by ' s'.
10 h 56 min
